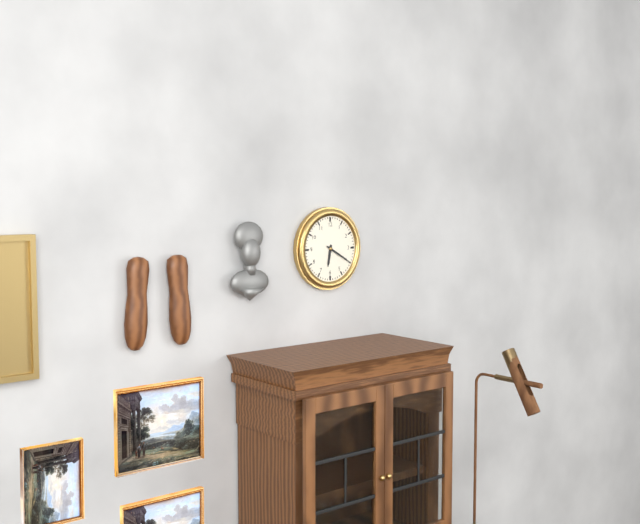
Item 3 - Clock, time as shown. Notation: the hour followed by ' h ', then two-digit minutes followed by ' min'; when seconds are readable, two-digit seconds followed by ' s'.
6 h 20 min
